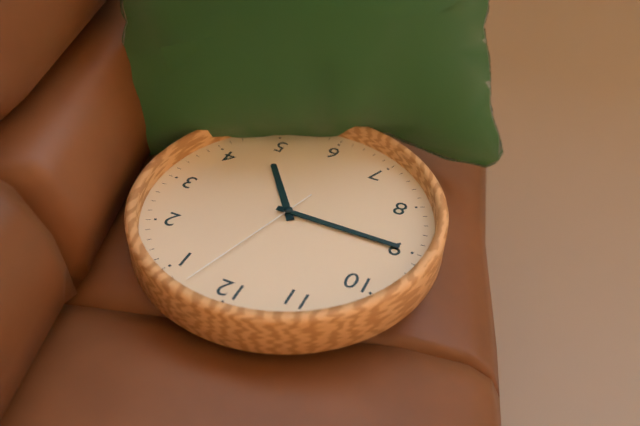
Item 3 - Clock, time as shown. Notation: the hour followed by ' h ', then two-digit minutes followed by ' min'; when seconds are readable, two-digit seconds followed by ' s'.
4 h 45 min 03 s
